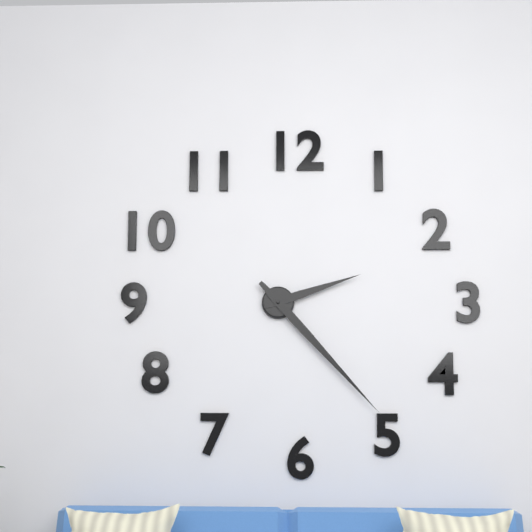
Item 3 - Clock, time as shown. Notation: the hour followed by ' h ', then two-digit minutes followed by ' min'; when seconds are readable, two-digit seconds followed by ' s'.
2 h 23 min
